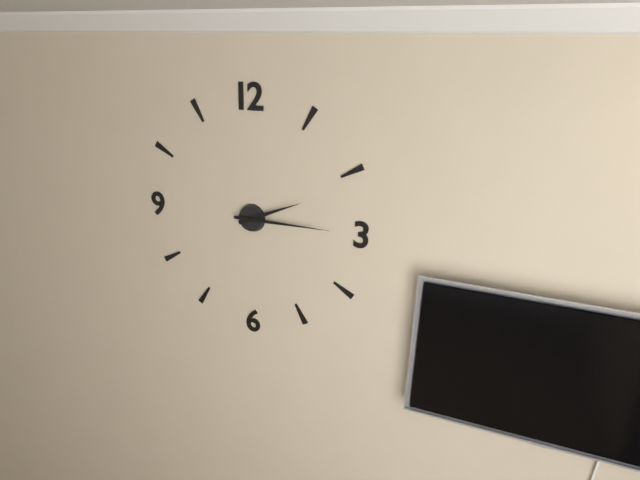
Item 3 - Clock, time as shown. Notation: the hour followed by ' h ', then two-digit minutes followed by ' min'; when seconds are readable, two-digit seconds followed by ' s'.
2 h 15 min
